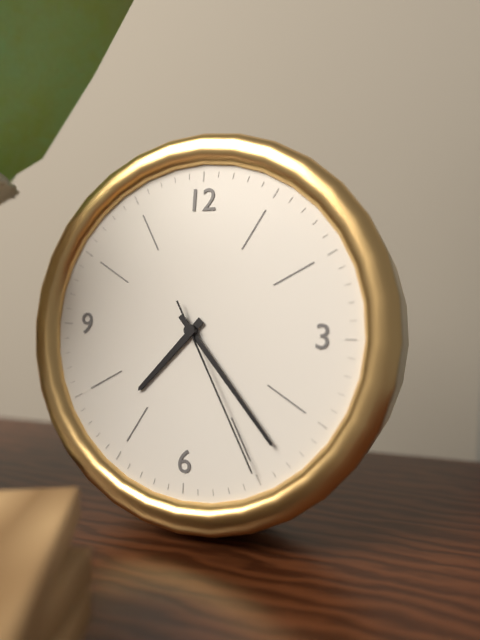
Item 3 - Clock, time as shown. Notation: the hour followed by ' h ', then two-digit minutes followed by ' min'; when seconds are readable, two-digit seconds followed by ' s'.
7 h 23 min 25 s
